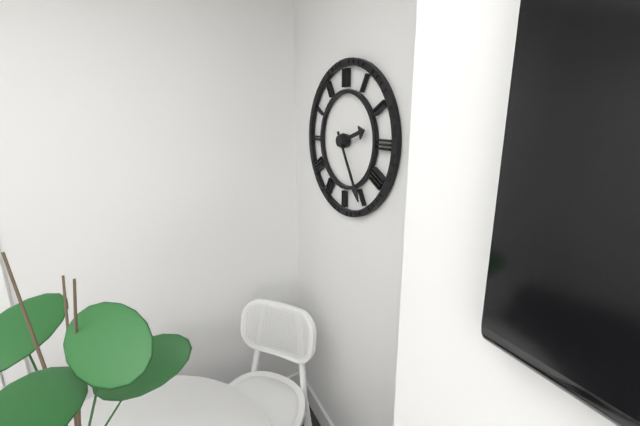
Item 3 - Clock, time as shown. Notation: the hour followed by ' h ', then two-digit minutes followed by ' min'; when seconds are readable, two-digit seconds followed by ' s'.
2 h 25 min
